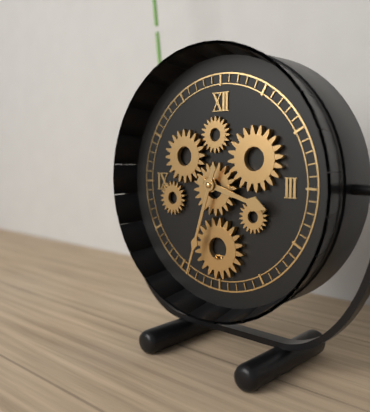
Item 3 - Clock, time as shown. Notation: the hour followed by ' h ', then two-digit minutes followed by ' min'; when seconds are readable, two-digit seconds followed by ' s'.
3 h 33 min
